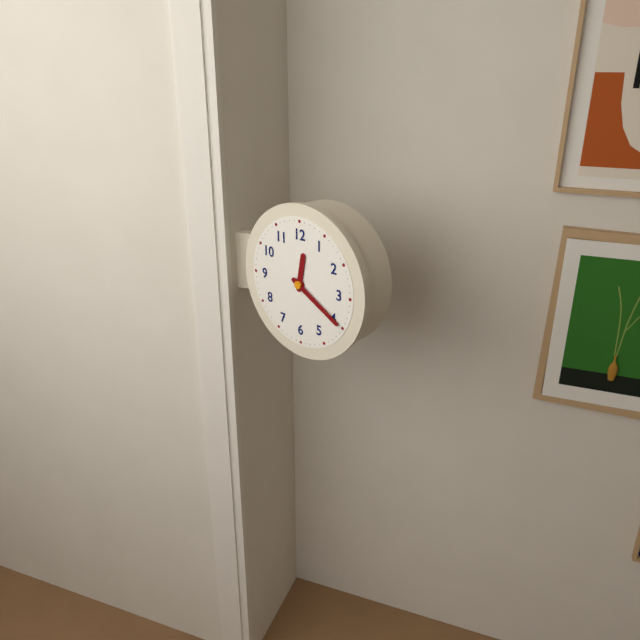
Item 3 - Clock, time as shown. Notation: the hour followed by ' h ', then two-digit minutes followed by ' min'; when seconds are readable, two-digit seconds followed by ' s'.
12 h 20 min
